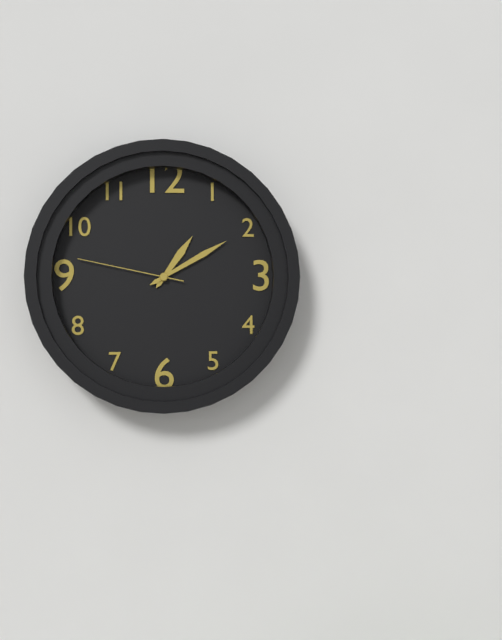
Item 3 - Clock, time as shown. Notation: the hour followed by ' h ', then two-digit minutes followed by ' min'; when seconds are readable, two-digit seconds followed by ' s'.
1 h 10 min 47 s
